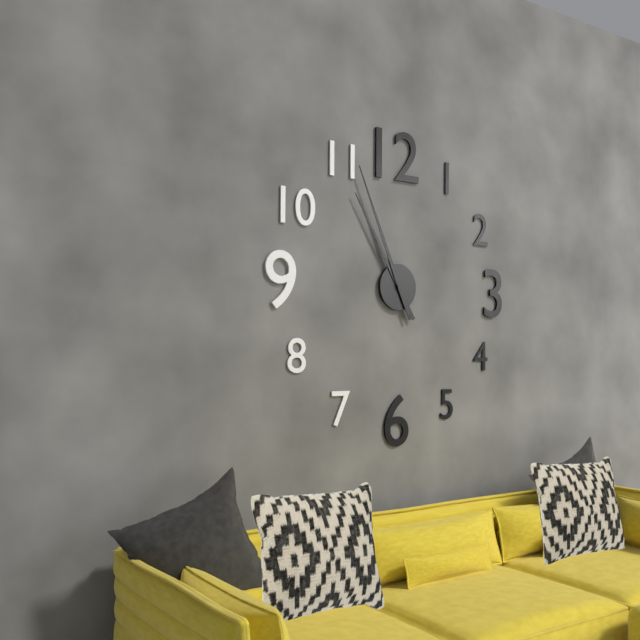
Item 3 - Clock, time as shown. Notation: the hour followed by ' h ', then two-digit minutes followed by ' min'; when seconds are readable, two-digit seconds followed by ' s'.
10 h 56 min
